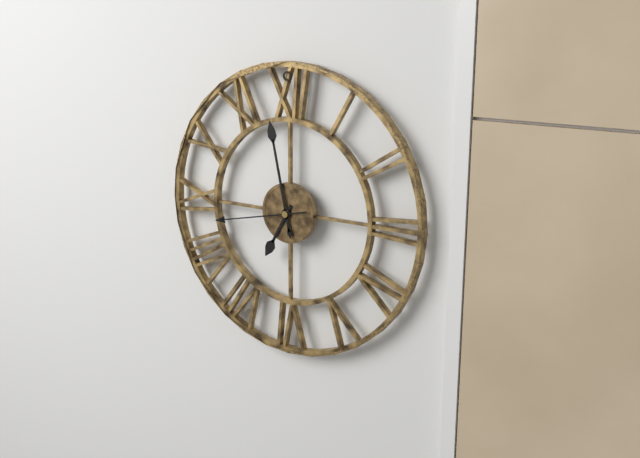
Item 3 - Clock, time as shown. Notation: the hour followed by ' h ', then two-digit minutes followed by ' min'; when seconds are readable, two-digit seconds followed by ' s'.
6 h 58 min 43 s
